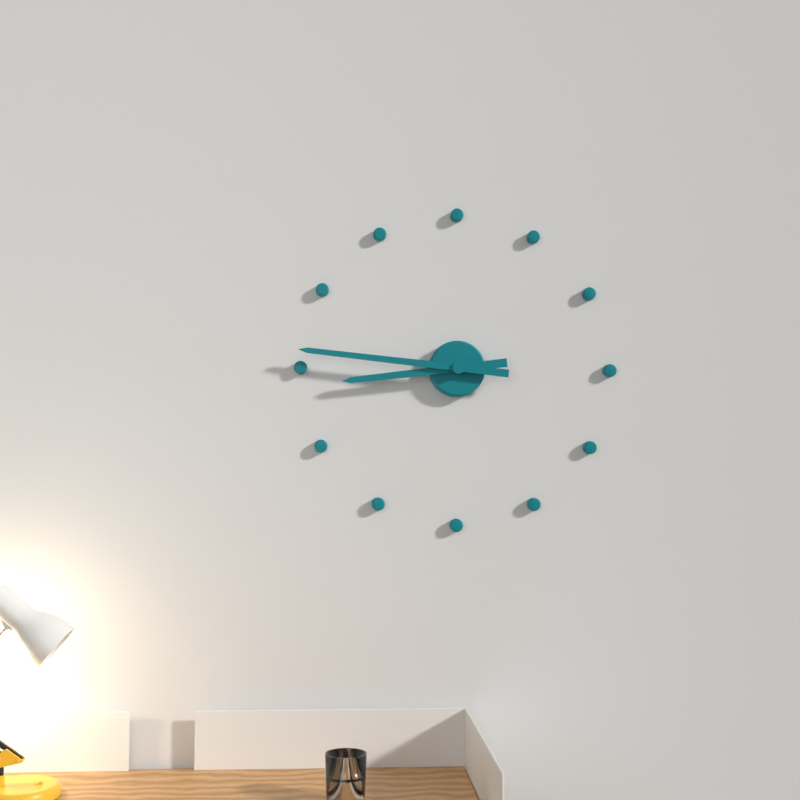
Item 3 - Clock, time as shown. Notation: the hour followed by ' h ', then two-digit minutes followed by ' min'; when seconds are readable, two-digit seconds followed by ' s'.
8 h 46 min
